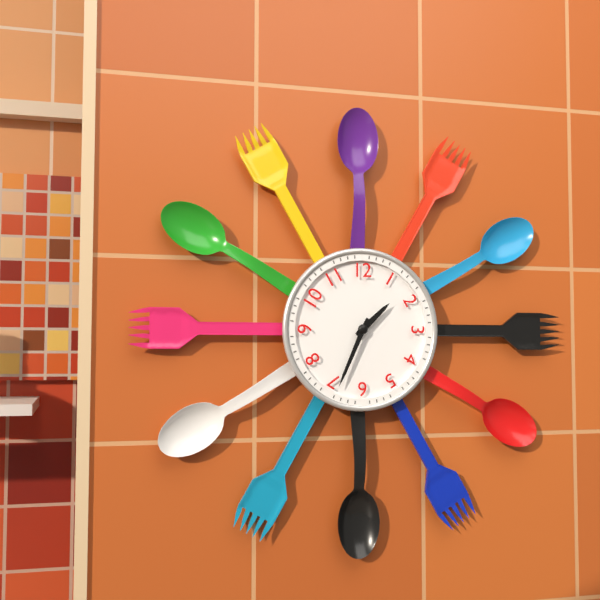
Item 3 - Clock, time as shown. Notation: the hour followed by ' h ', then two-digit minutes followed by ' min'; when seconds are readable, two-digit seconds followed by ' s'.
1 h 34 min
